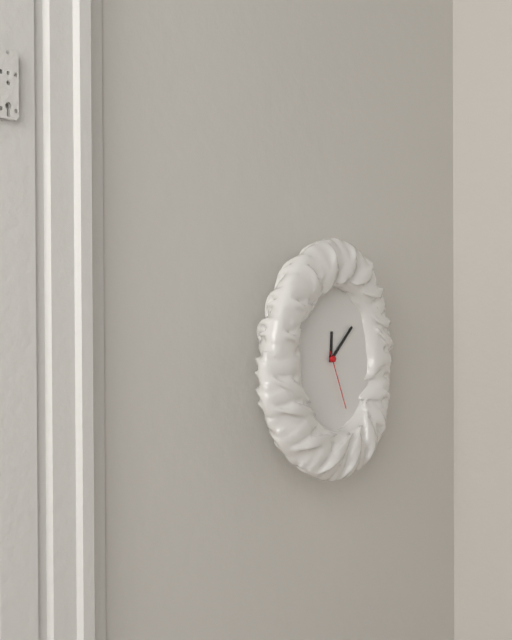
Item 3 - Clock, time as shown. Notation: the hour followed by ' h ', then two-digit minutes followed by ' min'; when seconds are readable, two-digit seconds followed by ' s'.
12 h 08 min 26 s
